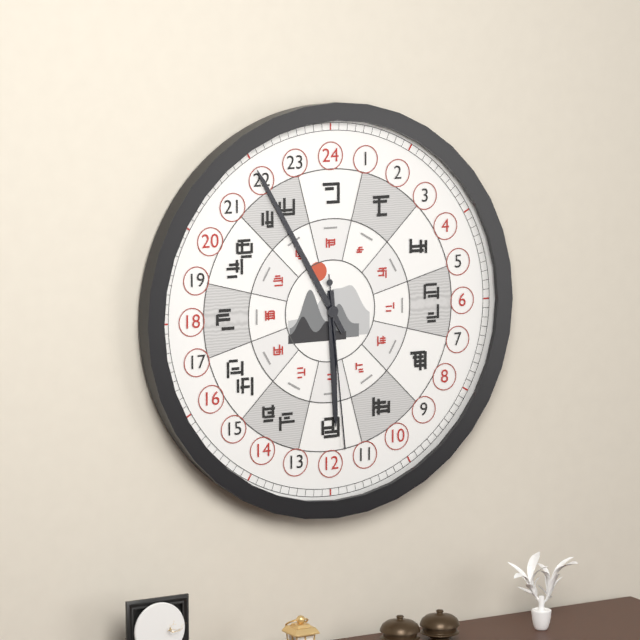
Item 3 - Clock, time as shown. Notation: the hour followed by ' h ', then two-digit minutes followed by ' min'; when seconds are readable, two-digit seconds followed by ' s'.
5 h 55 min 29 s
